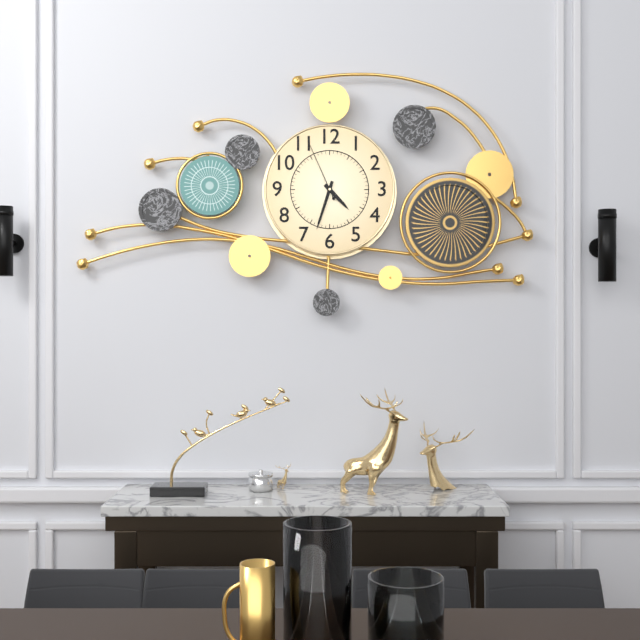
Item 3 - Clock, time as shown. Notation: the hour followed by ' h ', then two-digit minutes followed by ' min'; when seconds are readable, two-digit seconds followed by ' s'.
4 h 33 min 56 s
